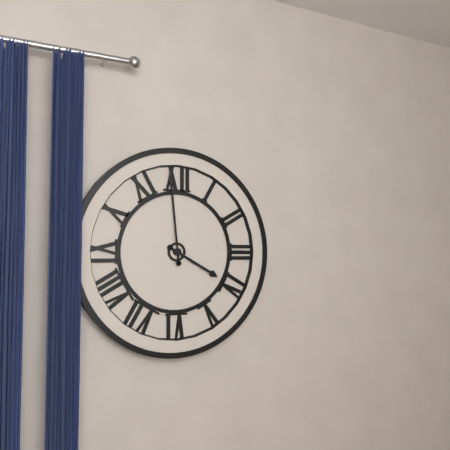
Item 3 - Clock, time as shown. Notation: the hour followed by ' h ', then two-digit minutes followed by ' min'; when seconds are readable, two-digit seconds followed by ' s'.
3 h 59 min
